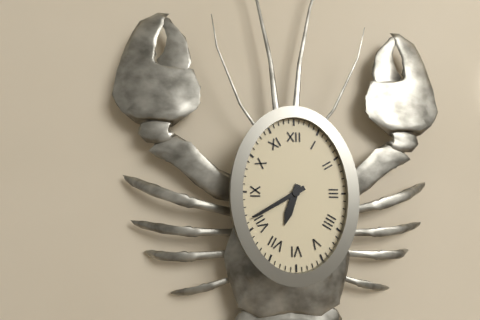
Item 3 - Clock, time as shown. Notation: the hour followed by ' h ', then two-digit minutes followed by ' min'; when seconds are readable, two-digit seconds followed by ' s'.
6 h 40 min
